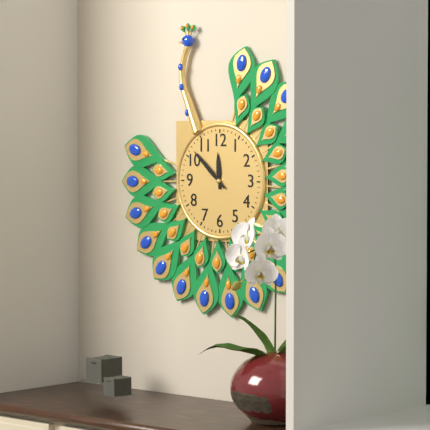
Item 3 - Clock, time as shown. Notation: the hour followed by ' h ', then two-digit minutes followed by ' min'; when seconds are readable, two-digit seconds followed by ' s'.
11 h 52 min
